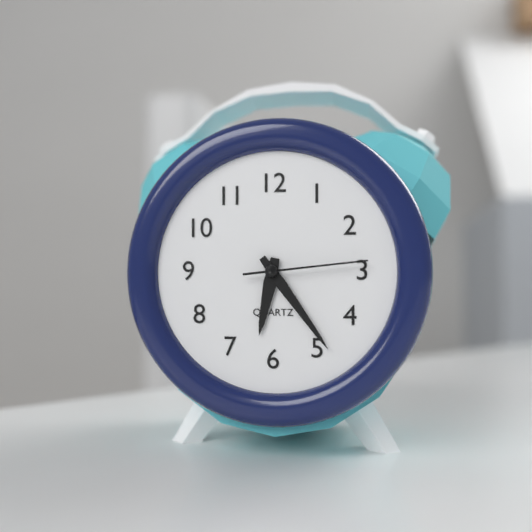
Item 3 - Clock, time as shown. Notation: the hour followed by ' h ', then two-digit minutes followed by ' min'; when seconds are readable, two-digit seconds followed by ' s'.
6 h 24 min 14 s
